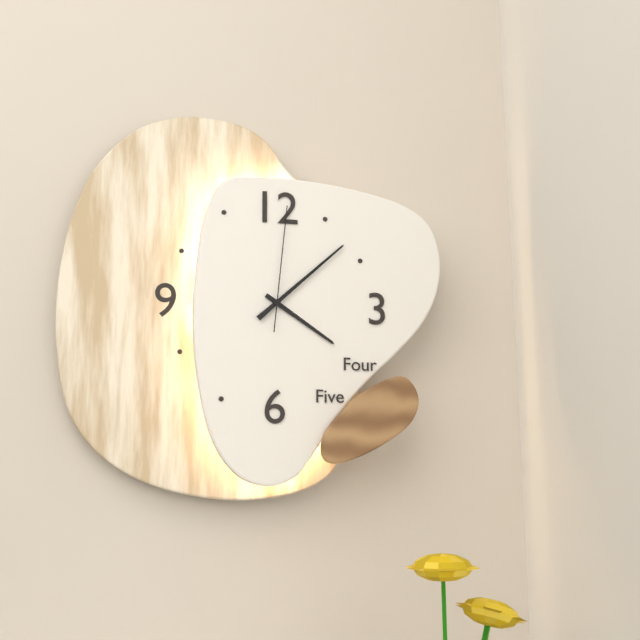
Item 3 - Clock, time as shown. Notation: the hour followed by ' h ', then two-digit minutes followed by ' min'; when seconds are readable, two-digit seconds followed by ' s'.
4 h 08 min 01 s
